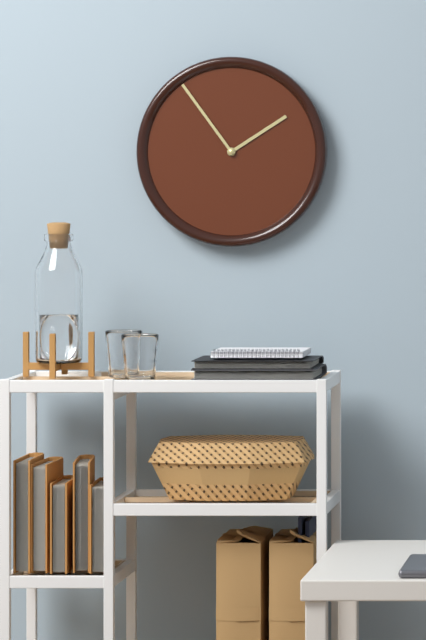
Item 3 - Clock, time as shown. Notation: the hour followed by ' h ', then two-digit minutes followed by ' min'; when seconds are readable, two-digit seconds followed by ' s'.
1 h 54 min
